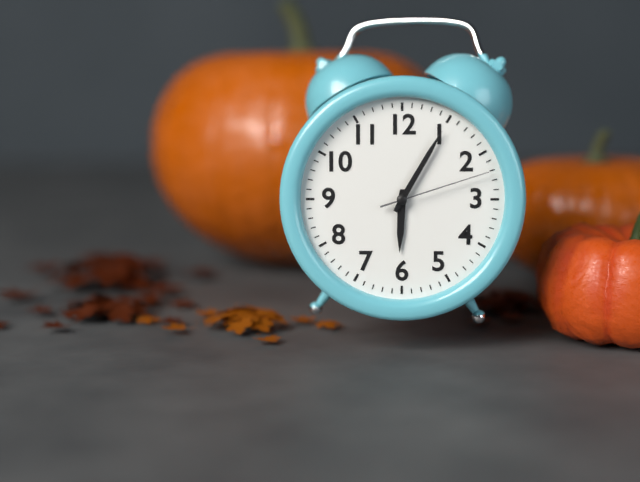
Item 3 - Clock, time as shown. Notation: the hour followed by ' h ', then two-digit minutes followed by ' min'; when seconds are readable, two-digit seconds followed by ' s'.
6 h 05 min 12 s
